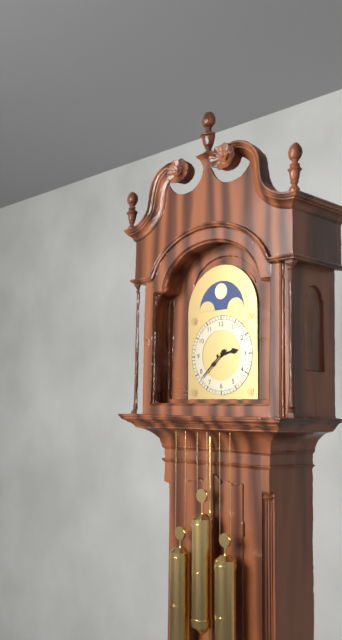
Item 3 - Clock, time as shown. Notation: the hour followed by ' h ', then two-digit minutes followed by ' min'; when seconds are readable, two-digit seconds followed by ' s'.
2 h 38 min
